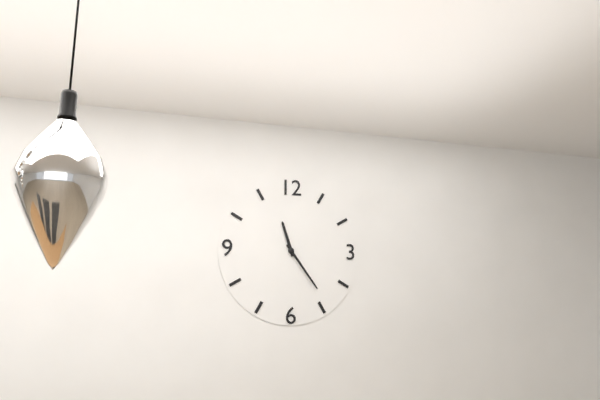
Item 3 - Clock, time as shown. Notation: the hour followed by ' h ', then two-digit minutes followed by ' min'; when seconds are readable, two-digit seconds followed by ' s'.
11 h 24 min
